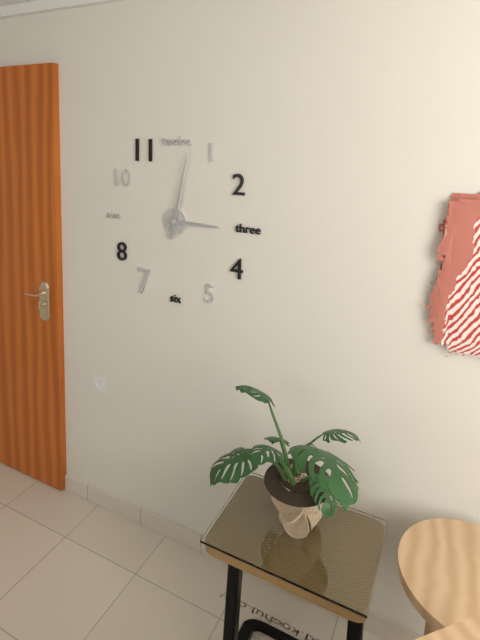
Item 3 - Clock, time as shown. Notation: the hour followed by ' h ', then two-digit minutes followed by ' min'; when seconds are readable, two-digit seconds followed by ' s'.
3 h 02 min
